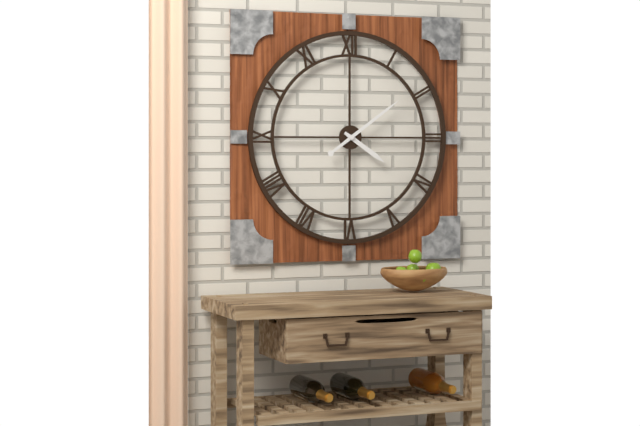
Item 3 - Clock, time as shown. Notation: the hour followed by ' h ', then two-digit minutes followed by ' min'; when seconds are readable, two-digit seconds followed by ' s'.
4 h 09 min
